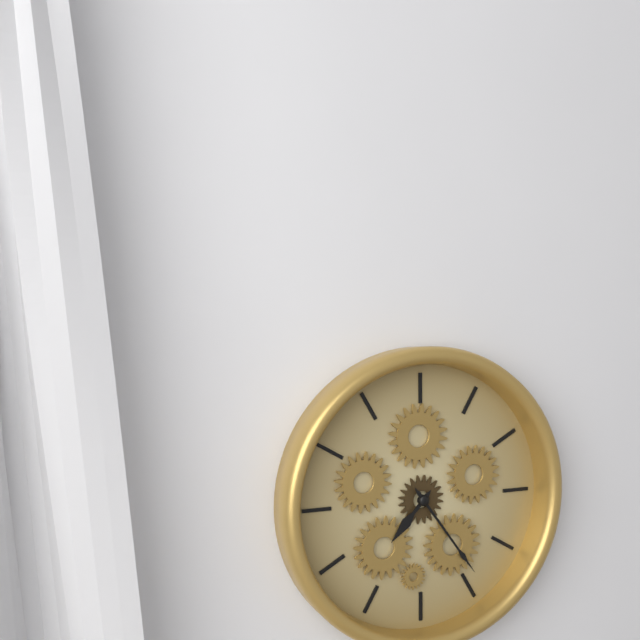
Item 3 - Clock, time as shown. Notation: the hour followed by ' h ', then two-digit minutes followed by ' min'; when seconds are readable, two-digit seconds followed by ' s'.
7 h 24 min
